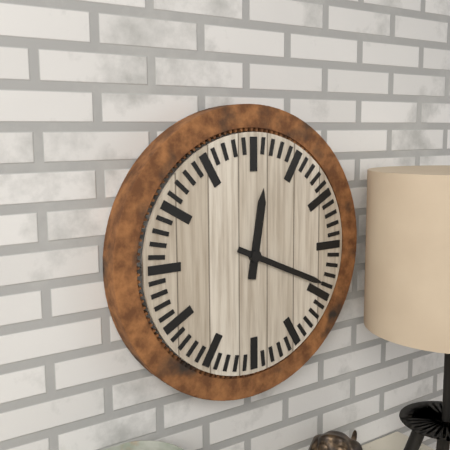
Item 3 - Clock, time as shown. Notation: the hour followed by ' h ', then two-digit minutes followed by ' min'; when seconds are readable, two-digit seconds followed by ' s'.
12 h 19 min
